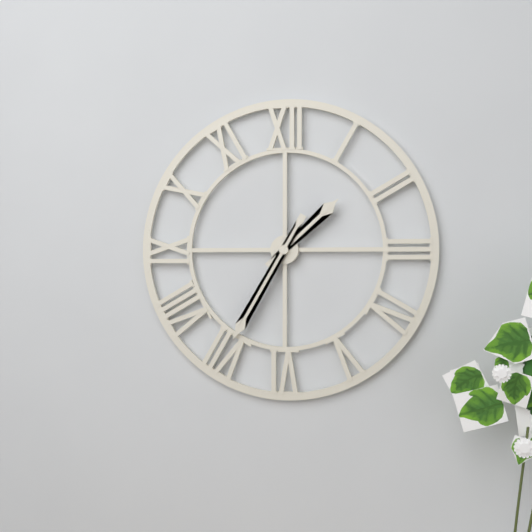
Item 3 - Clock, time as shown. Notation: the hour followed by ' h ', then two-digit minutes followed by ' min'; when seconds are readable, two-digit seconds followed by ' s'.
1 h 35 min
